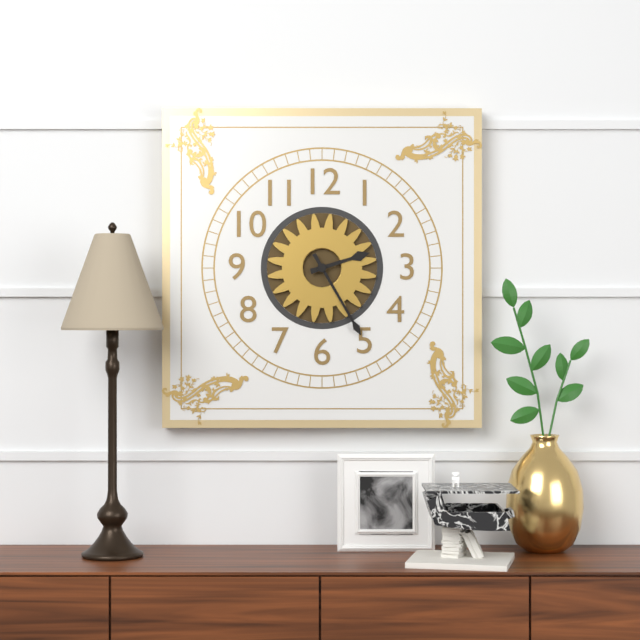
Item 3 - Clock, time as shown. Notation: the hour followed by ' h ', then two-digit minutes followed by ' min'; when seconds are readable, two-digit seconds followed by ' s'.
2 h 25 min
